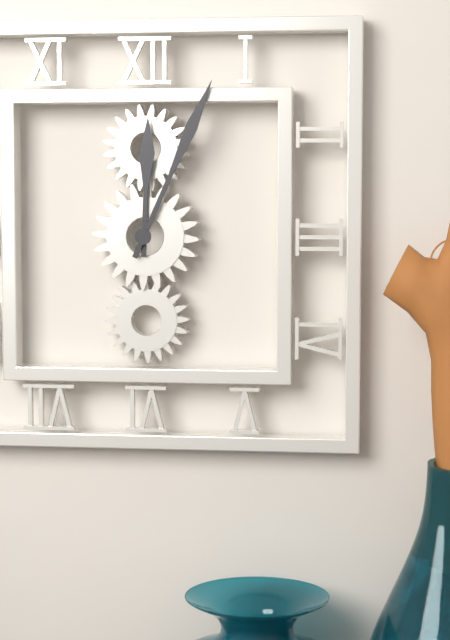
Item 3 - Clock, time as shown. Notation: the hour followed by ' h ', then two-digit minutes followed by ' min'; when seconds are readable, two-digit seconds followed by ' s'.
12 h 04 min
